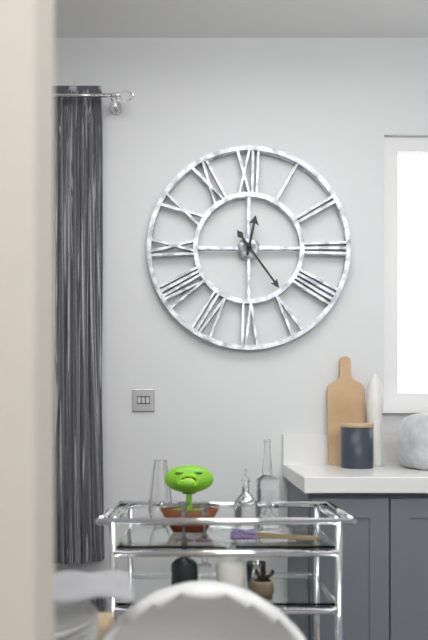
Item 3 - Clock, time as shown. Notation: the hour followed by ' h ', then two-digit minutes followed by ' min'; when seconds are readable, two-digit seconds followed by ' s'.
12 h 24 min
